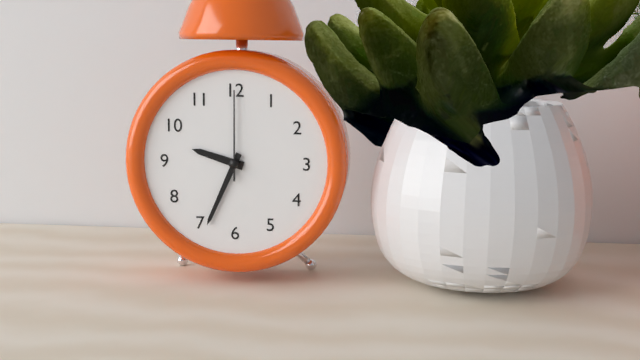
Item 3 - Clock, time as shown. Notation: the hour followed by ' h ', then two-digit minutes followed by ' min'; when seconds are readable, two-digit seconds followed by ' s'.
9 h 34 min 00 s
